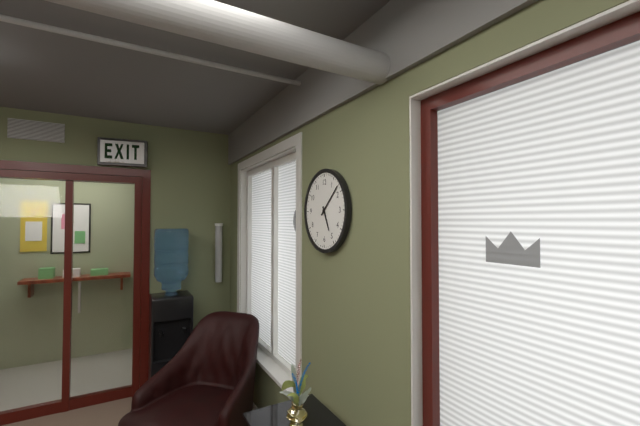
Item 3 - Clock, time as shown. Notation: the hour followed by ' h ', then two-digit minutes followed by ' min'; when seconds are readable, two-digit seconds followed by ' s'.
5 h 08 min
